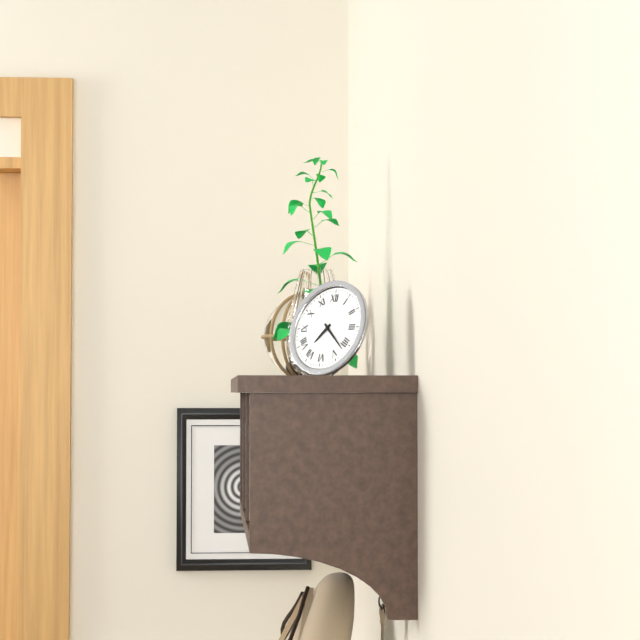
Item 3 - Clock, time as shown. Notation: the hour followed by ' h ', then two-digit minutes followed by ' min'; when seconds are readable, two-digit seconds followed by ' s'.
7 h 22 min
